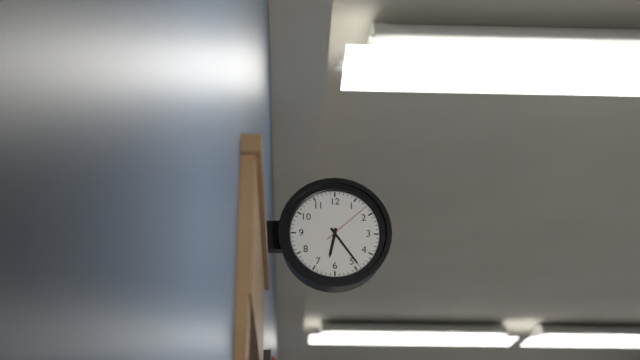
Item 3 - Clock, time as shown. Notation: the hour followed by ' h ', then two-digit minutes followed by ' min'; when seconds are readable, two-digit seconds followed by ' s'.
6 h 24 min 08 s
